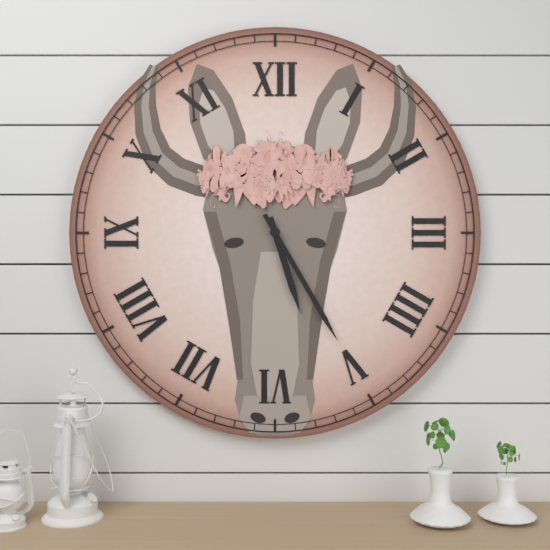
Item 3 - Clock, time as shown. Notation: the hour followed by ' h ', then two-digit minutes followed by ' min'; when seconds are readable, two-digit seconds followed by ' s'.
5 h 25 min
